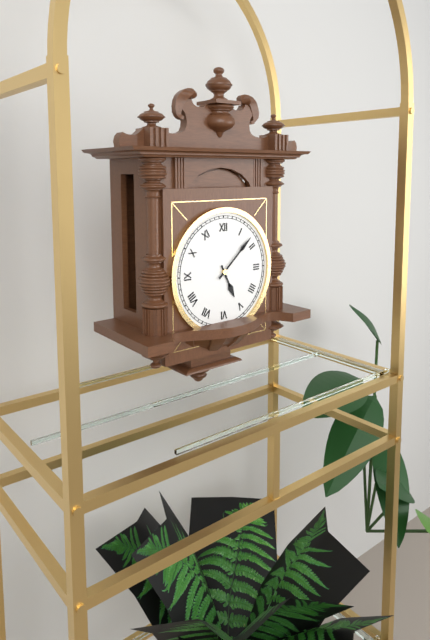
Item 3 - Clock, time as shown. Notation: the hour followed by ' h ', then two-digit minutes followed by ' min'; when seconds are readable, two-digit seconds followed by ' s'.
5 h 08 min
